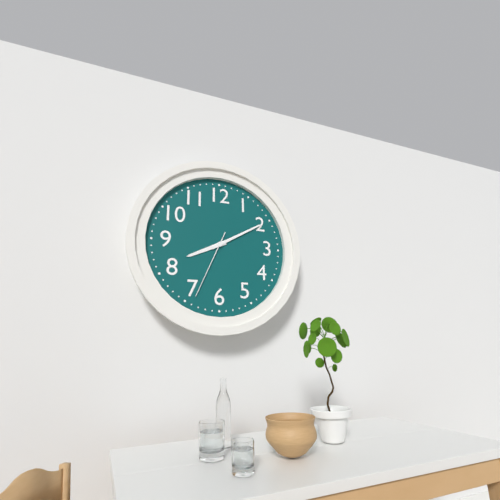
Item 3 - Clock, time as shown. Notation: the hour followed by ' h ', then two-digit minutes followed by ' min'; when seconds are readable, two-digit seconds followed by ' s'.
8 h 10 min 34 s
